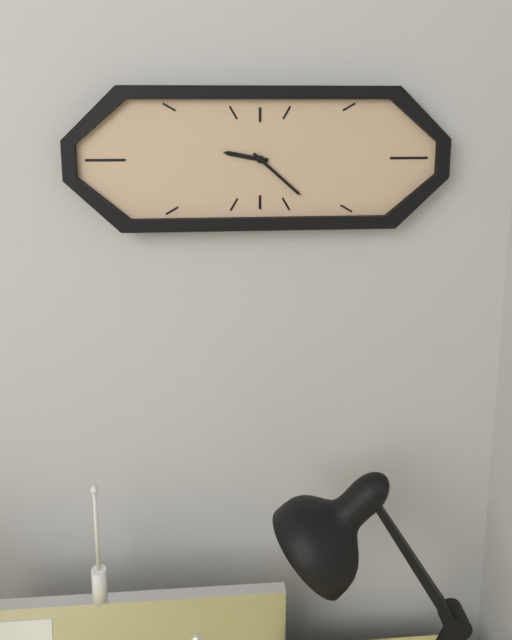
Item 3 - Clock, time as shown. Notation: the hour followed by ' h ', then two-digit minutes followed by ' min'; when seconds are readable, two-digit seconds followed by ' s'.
9 h 22 min
